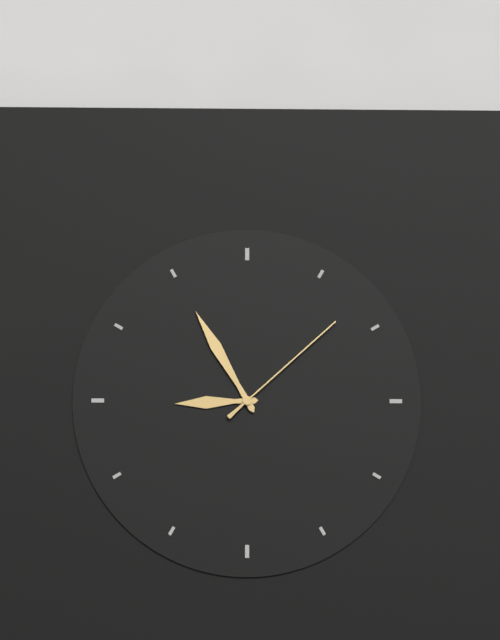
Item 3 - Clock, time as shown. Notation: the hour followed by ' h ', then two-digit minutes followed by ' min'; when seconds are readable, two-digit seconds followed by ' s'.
8 h 55 min 08 s
